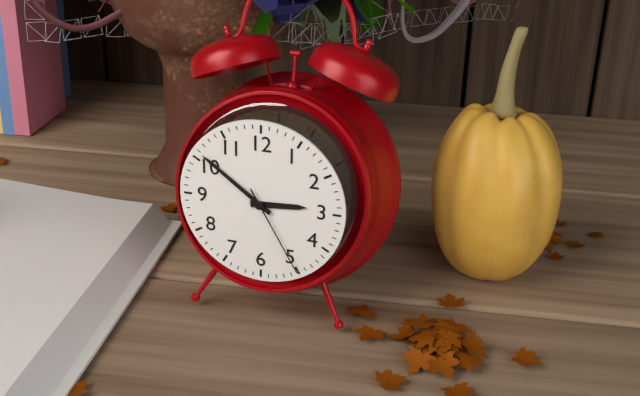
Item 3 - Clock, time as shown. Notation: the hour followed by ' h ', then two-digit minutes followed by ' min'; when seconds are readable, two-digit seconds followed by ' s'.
2 h 51 min 25 s
